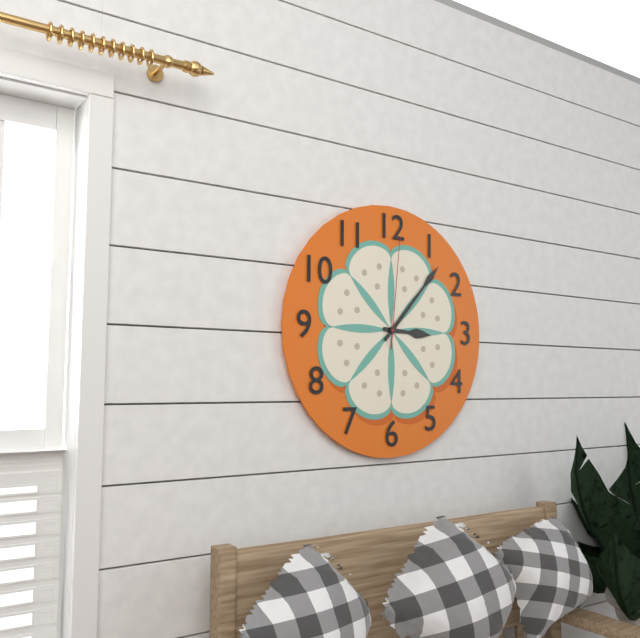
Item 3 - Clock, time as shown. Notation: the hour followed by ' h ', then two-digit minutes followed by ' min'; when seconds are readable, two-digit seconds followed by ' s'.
3 h 07 min 01 s
